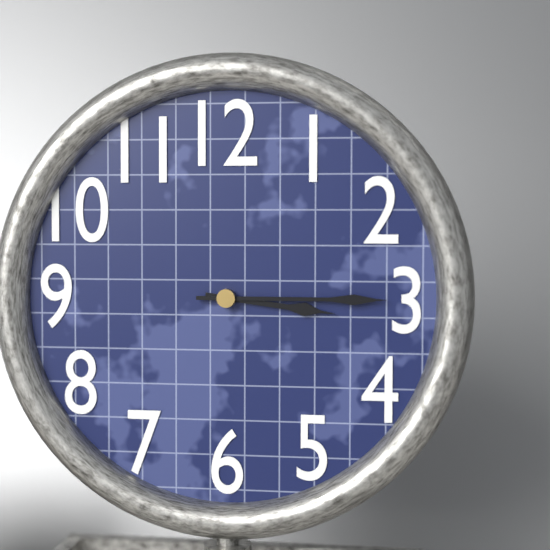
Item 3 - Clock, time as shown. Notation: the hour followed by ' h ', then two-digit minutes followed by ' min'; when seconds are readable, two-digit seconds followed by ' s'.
3 h 15 min
